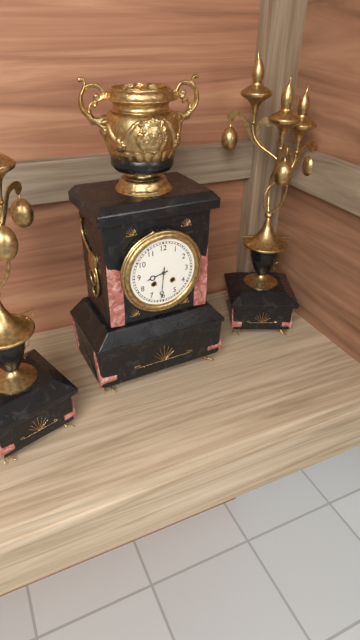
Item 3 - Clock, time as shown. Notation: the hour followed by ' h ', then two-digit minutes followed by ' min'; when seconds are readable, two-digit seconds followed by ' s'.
8 h 31 min
